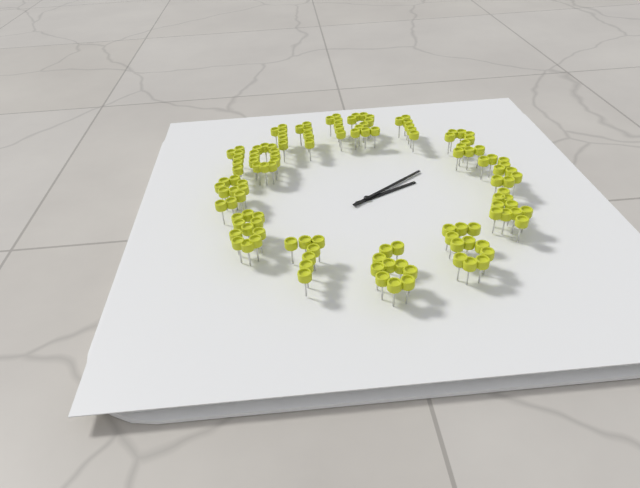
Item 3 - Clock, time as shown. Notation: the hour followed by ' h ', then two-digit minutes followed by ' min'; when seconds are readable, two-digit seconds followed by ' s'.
2 h 09 min
